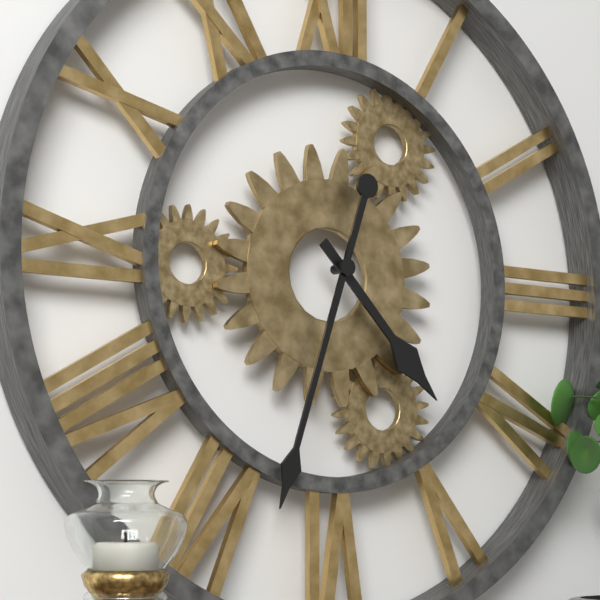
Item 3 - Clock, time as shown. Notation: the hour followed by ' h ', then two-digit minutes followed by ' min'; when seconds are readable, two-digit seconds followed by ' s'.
4 h 33 min
